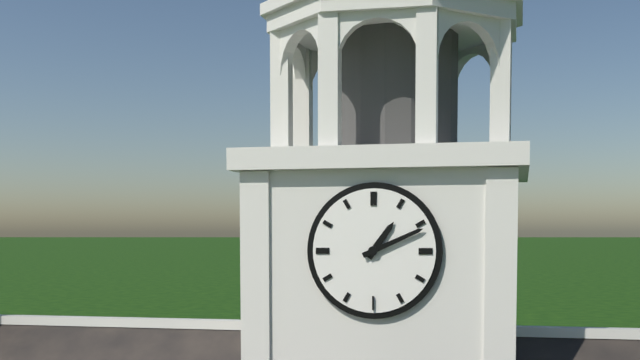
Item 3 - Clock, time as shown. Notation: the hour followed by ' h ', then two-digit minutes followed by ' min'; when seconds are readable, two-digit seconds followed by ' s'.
1 h 11 min
